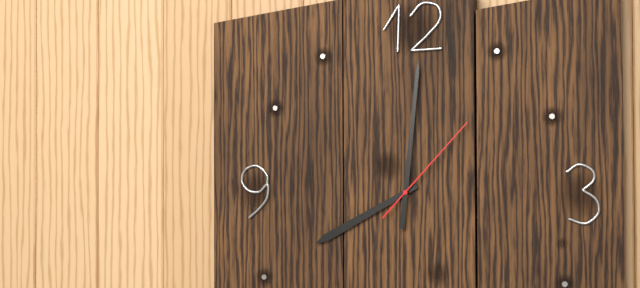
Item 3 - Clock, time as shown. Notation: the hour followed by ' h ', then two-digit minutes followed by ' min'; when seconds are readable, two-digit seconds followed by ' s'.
8 h 01 min 07 s
